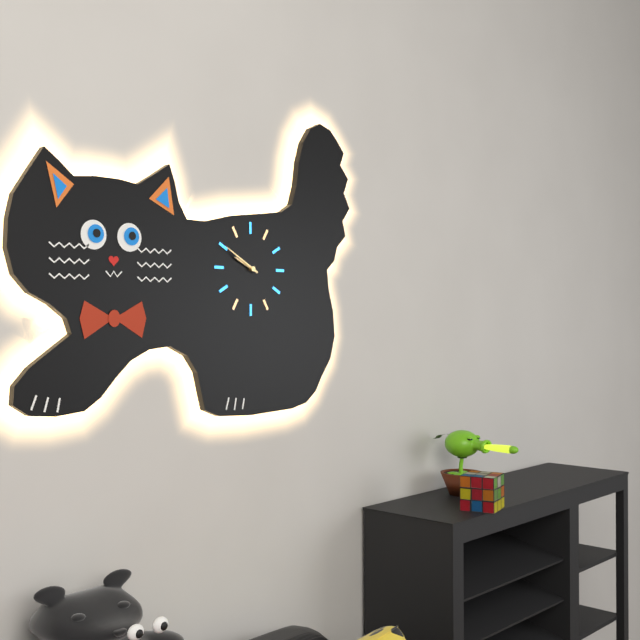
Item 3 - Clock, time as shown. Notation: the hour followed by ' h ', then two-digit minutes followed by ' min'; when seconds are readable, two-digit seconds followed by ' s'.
9 h 50 min
